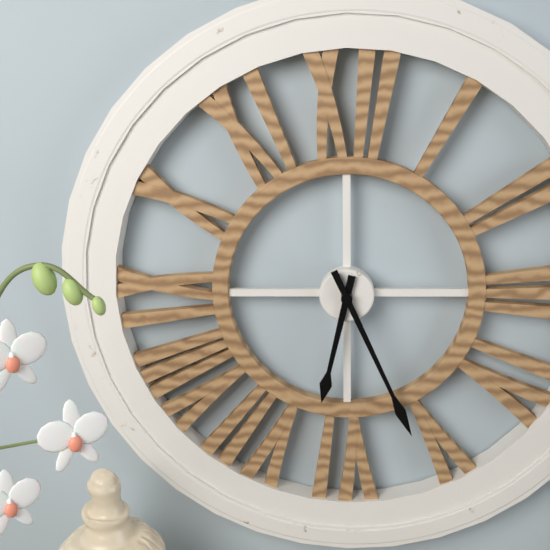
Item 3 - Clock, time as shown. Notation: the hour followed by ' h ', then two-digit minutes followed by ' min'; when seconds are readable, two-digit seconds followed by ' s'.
6 h 26 min
